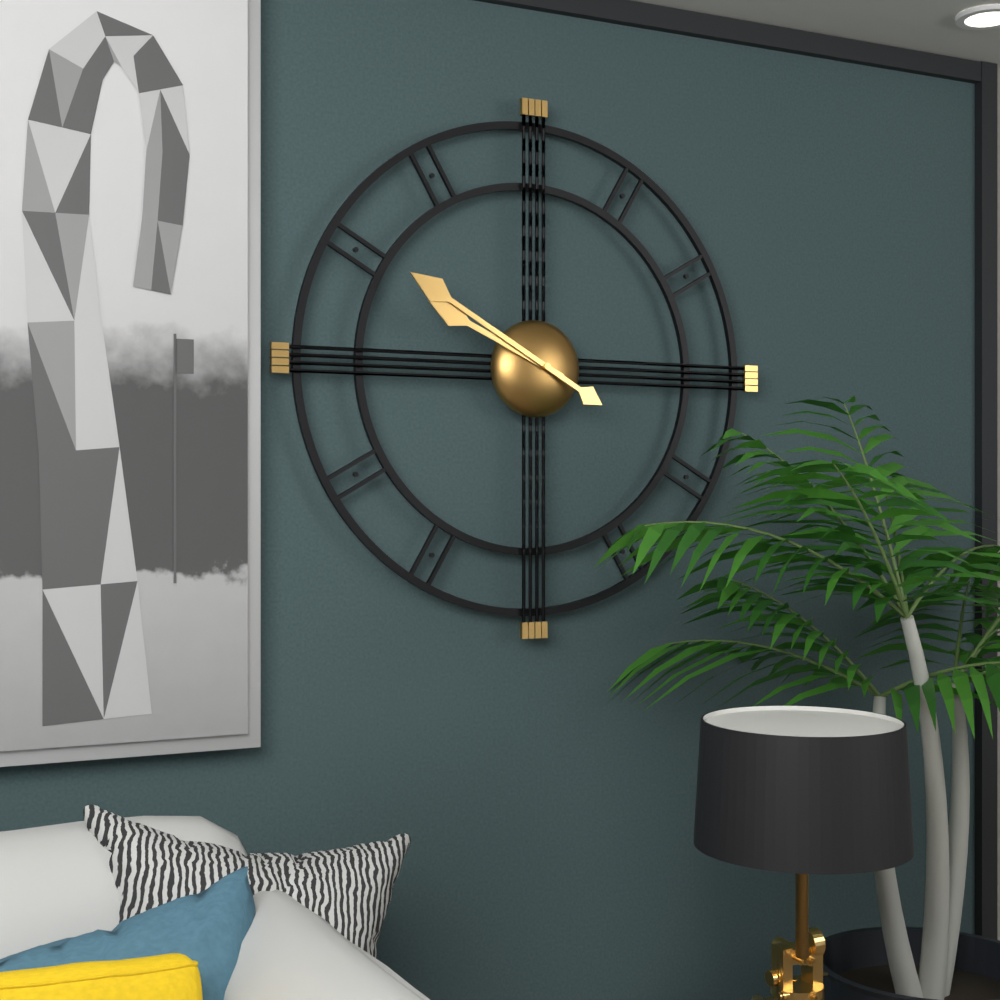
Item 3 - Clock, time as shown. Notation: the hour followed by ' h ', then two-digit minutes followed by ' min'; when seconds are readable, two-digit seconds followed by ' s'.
9 h 50 min
